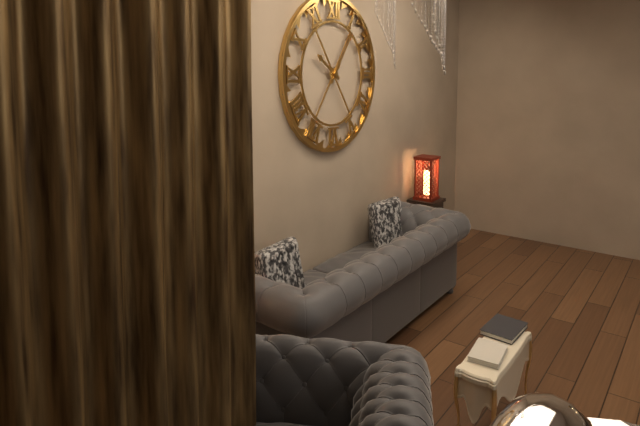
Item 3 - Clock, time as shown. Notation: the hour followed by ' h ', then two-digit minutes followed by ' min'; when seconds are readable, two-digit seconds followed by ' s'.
10 h 06 min
